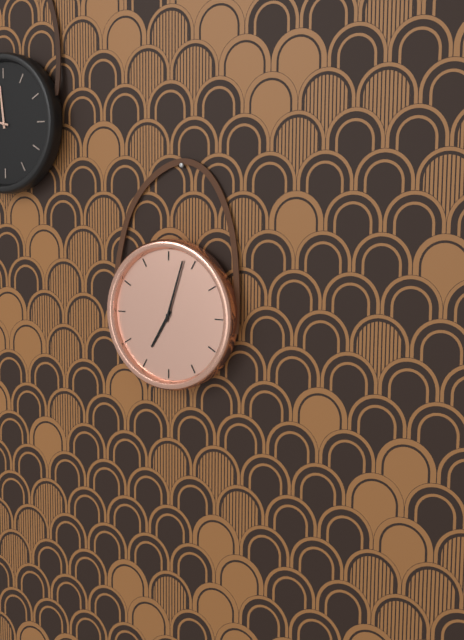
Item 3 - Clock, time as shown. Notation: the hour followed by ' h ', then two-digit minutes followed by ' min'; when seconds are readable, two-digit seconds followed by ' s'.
7 h 03 min
